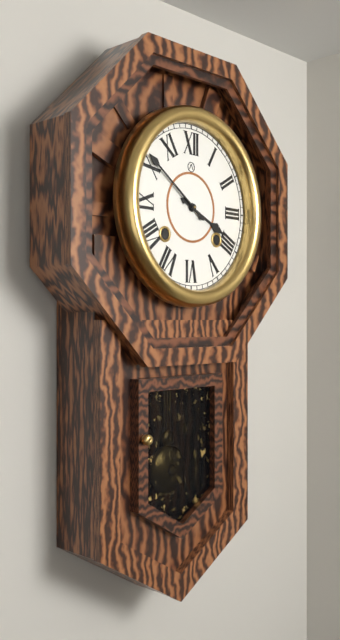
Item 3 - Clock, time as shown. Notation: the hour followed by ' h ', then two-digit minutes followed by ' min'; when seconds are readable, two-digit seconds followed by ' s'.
3 h 51 min
